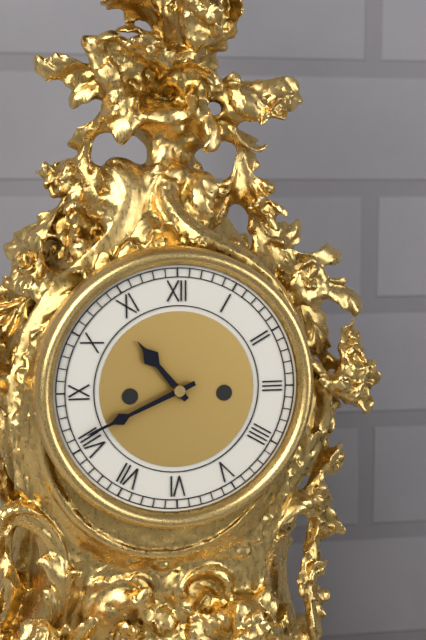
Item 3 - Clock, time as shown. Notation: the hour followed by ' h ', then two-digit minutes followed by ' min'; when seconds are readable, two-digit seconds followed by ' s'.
10 h 41 min
